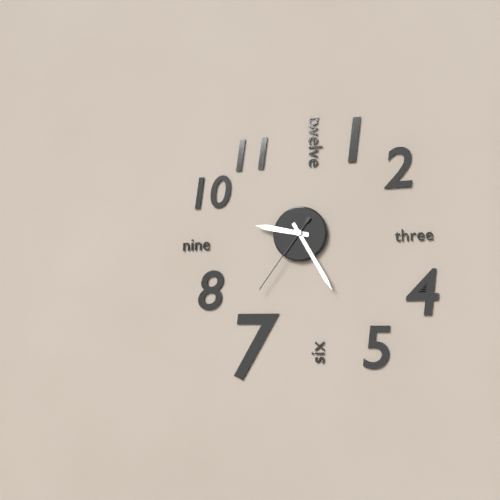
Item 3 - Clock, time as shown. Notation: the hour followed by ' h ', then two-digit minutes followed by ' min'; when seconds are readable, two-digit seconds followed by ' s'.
9 h 25 min 36 s
